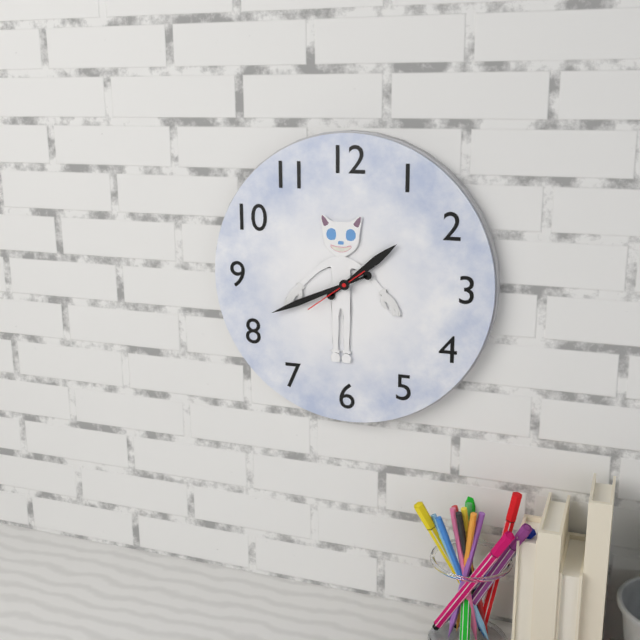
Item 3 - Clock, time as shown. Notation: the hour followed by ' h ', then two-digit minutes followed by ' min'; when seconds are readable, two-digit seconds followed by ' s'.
1 h 41 min 39 s
